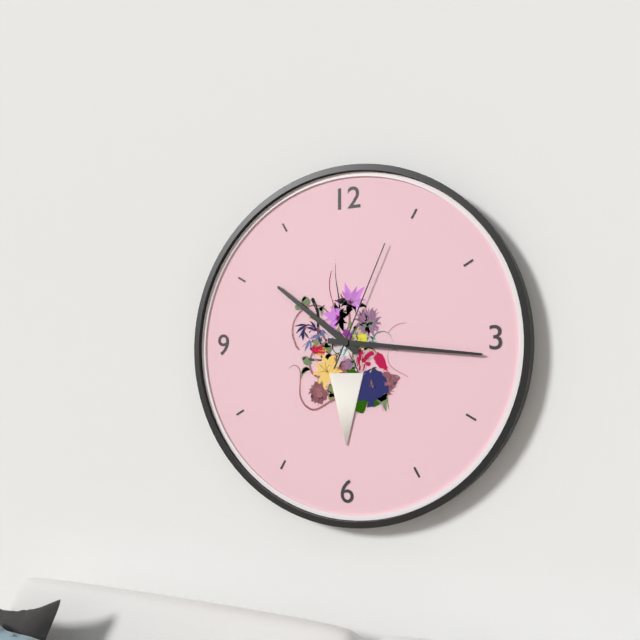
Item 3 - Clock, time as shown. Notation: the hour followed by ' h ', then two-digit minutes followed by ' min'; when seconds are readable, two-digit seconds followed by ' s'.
10 h 16 min 04 s
